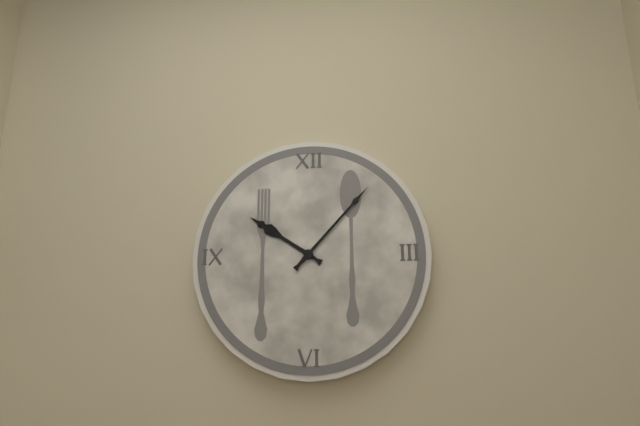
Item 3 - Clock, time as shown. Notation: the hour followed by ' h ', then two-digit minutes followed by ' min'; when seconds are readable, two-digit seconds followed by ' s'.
10 h 07 min
